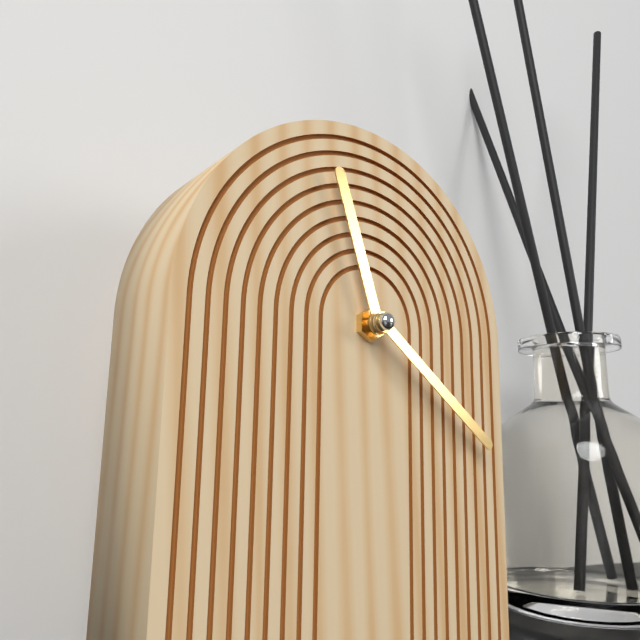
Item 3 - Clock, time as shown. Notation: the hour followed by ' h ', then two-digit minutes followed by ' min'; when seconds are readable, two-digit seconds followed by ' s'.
11 h 21 min
